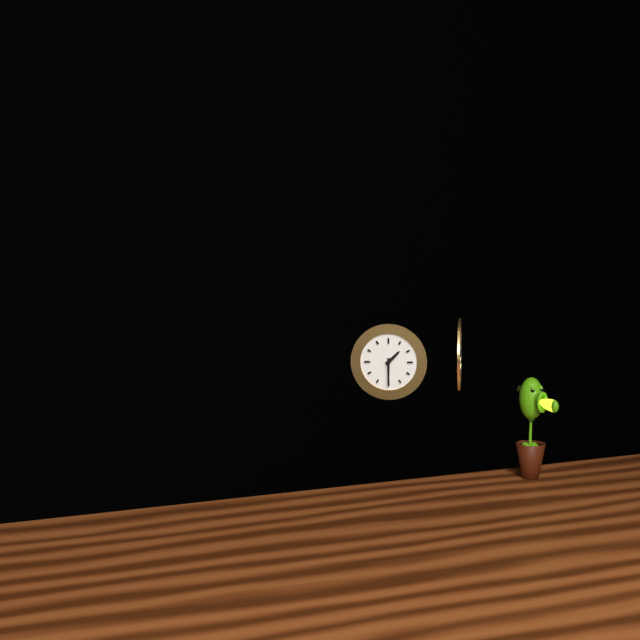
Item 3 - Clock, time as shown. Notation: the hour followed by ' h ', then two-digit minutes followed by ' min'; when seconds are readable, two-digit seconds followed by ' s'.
1 h 30 min
